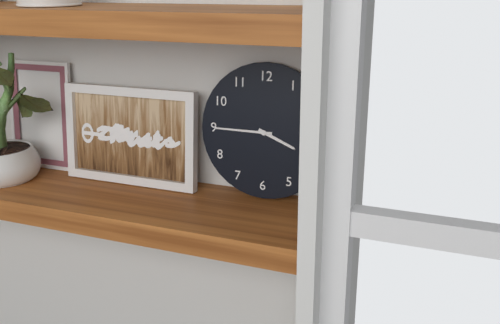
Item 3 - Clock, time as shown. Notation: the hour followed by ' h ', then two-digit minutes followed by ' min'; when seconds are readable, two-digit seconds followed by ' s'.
3 h 45 min
